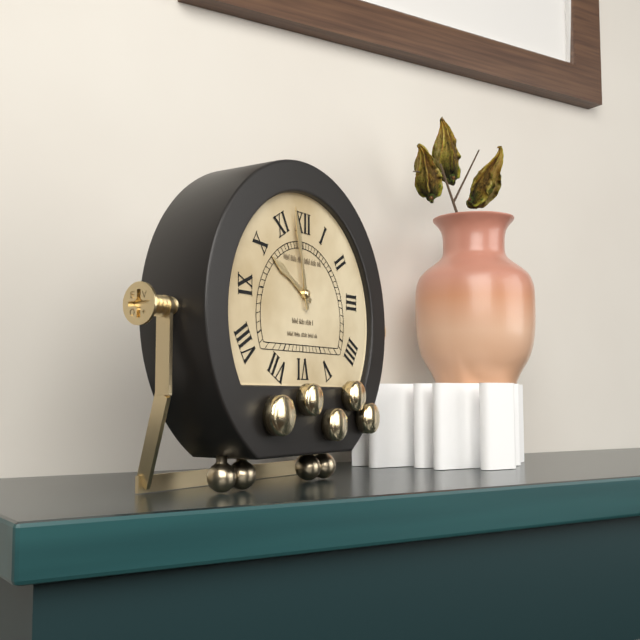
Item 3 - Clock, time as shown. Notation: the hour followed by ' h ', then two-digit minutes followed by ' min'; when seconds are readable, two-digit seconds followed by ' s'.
9 h 58 min
